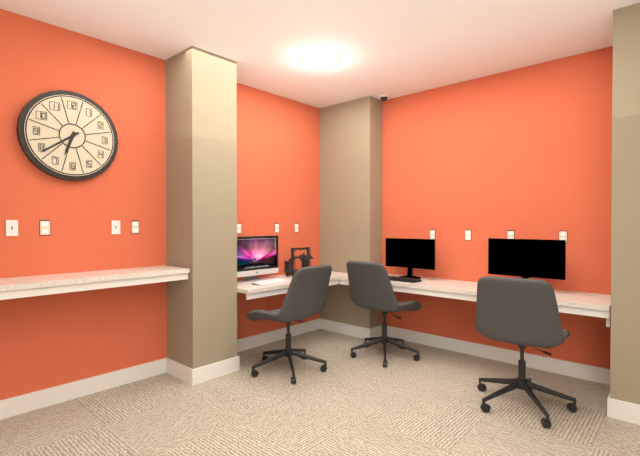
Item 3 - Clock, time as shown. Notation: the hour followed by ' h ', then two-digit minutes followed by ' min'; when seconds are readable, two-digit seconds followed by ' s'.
6 h 39 min
